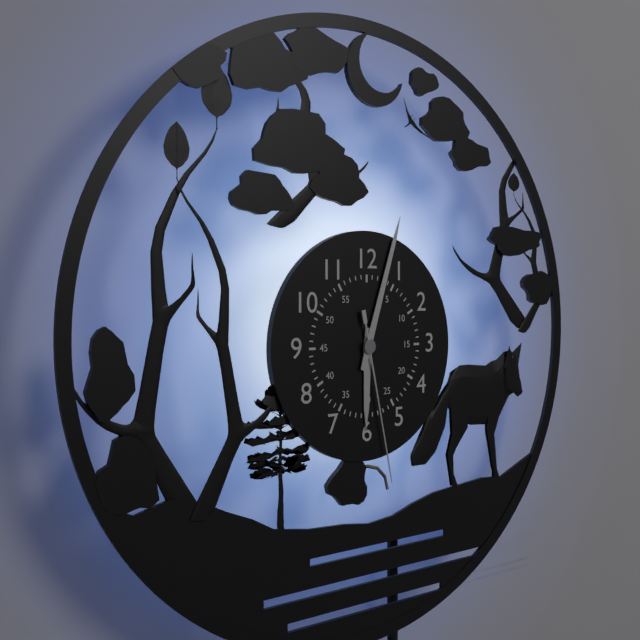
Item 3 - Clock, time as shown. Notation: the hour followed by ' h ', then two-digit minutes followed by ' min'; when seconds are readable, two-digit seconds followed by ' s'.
6 h 03 min 28 s
